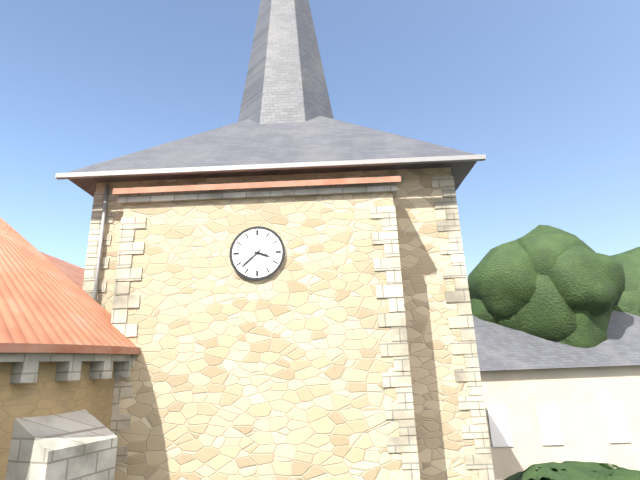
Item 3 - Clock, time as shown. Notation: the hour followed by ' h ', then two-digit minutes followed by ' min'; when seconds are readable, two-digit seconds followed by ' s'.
3 h 38 min
